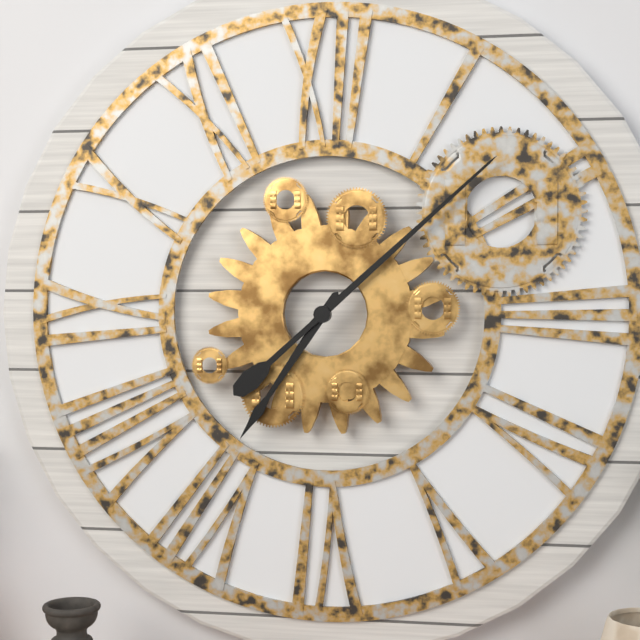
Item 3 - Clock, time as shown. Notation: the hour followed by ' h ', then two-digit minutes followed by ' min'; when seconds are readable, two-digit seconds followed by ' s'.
7 h 08 min
